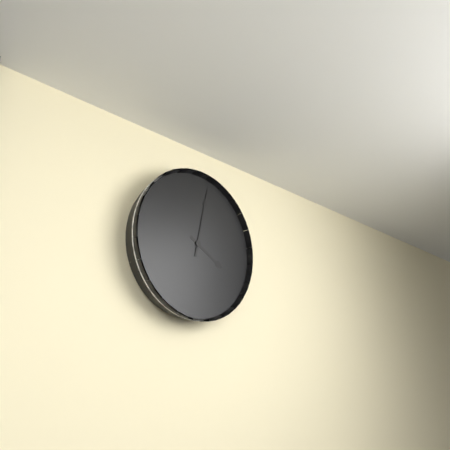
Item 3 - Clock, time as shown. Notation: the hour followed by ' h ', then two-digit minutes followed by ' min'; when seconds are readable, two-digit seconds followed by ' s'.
4 h 02 min
